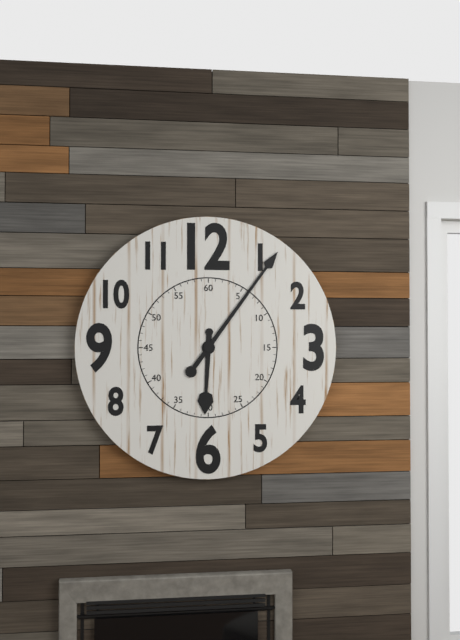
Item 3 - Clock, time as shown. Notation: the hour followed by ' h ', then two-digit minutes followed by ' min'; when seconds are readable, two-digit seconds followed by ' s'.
6 h 06 min
